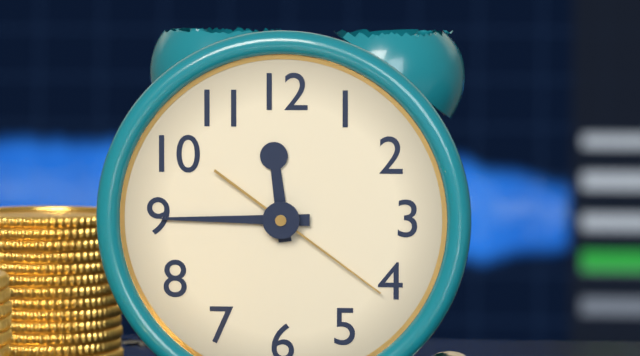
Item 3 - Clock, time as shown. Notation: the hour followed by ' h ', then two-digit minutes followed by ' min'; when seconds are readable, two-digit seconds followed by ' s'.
11 h 45 min 21 s
